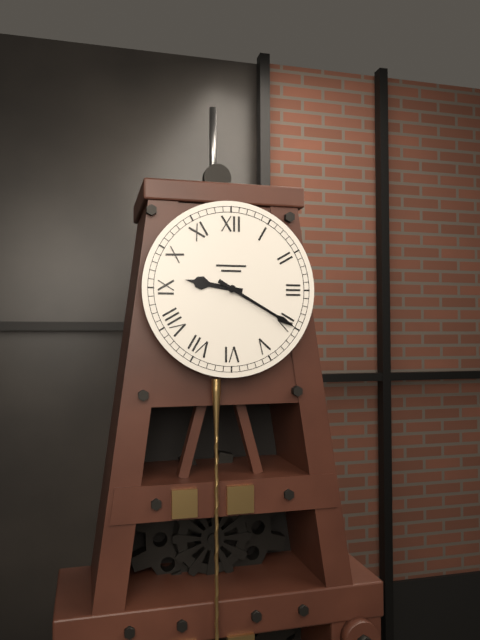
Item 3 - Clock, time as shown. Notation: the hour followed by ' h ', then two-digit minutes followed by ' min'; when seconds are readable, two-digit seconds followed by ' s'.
9 h 20 min
